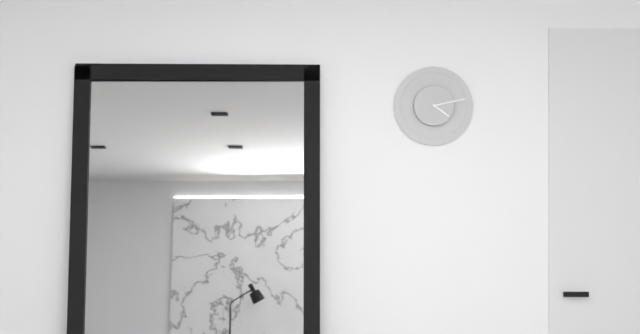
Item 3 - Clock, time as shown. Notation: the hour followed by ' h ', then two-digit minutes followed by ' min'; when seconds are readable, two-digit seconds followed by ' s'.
4 h 13 min
